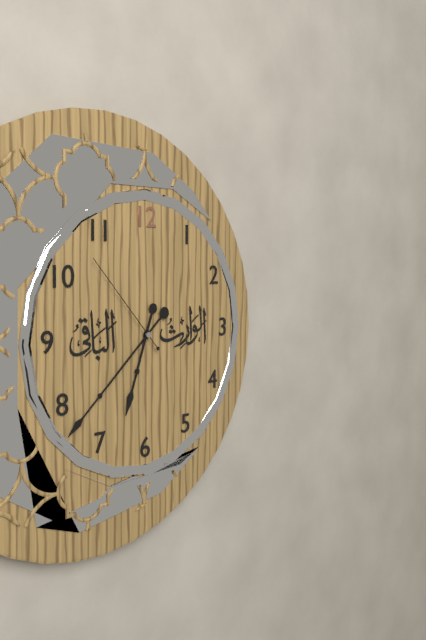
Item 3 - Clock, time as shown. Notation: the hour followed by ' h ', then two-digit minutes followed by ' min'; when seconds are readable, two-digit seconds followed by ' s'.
6 h 38 min 53 s
